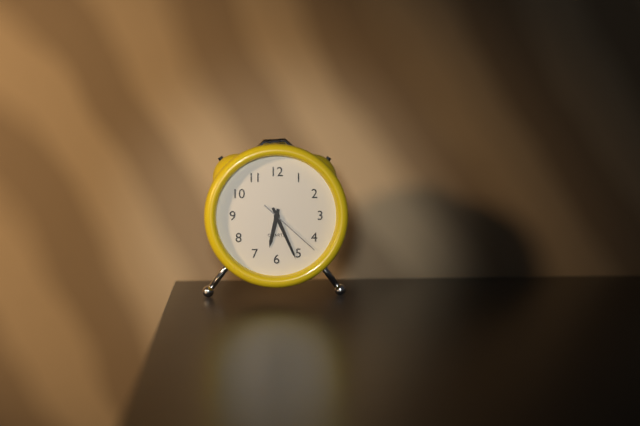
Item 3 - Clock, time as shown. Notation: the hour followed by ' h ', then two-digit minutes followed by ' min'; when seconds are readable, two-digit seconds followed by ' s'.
6 h 26 min 22 s
